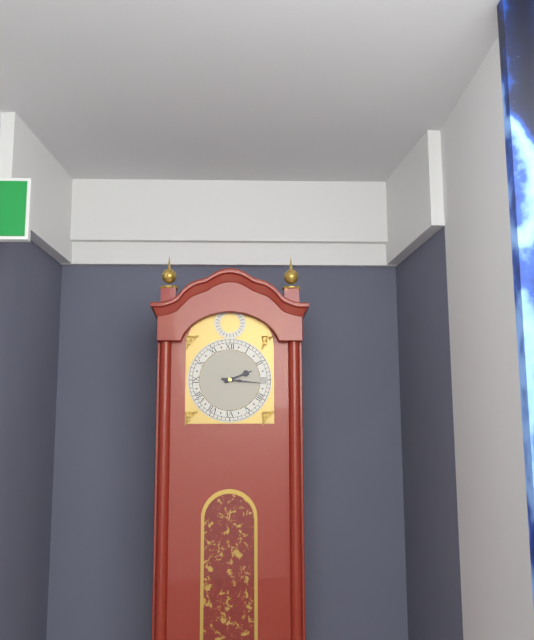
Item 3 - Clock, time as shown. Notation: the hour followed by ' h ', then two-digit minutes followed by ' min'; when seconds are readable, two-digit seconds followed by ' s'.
2 h 16 min
